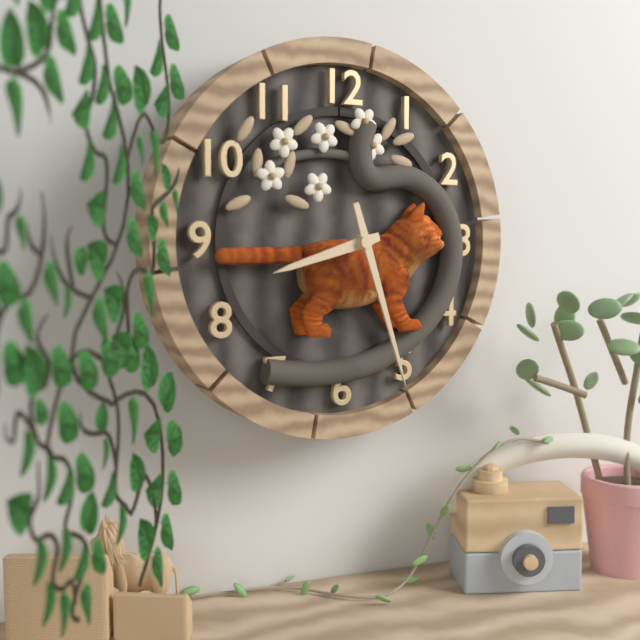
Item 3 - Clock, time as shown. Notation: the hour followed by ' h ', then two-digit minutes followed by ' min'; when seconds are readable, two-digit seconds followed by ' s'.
8 h 27 min
